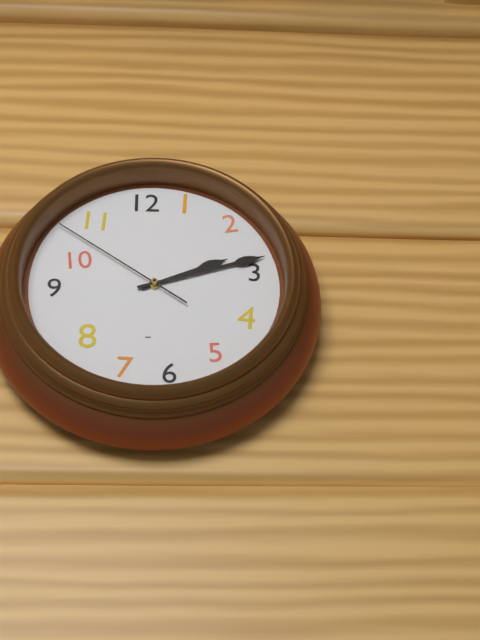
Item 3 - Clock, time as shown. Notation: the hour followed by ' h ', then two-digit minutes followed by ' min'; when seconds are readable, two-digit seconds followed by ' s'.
2 h 12 min 51 s
